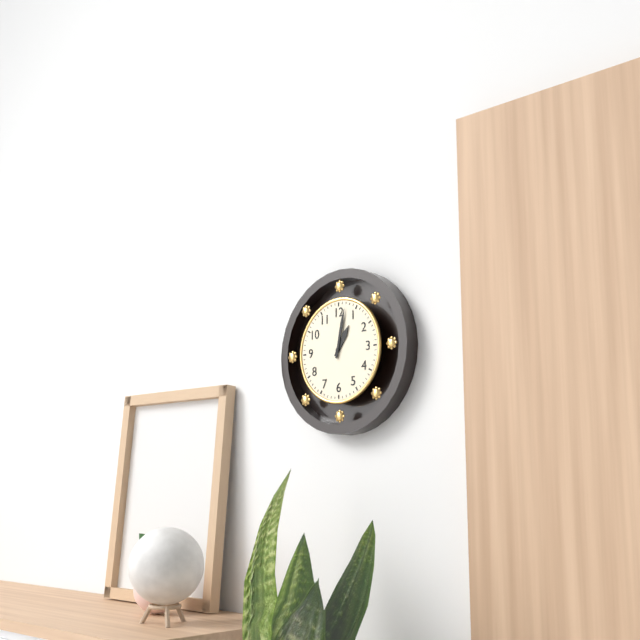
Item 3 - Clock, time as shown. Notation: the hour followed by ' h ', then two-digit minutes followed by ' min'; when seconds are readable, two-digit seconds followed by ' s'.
1 h 02 min
